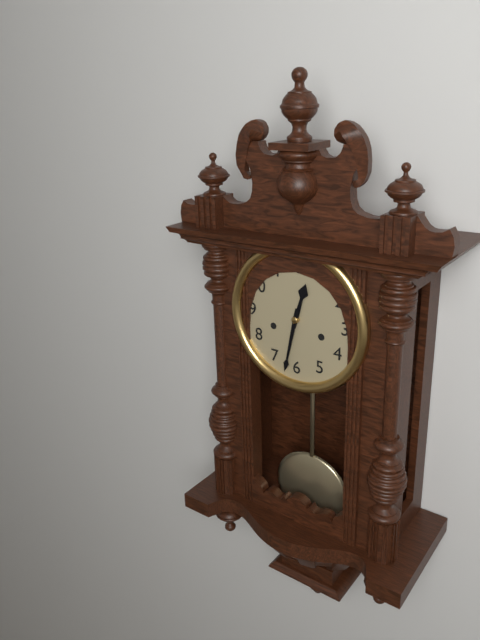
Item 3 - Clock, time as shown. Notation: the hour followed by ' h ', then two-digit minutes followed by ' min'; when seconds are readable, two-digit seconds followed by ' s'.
12 h 32 min
